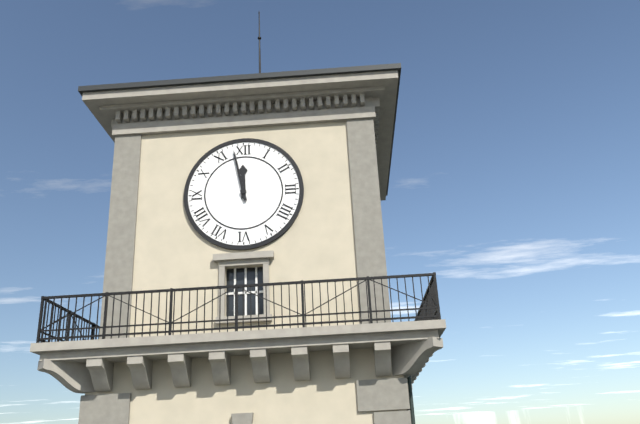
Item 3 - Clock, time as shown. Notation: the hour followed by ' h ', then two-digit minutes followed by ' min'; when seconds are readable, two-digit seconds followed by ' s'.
11 h 58 min
